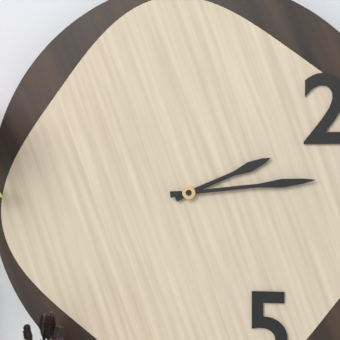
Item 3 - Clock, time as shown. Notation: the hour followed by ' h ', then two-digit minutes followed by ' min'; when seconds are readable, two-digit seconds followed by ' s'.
2 h 14 min
